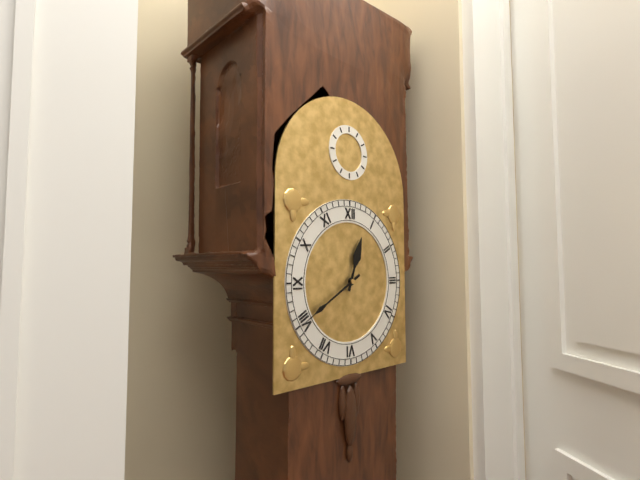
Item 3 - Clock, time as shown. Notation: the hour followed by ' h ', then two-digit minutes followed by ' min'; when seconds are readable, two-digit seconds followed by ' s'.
12 h 40 min
